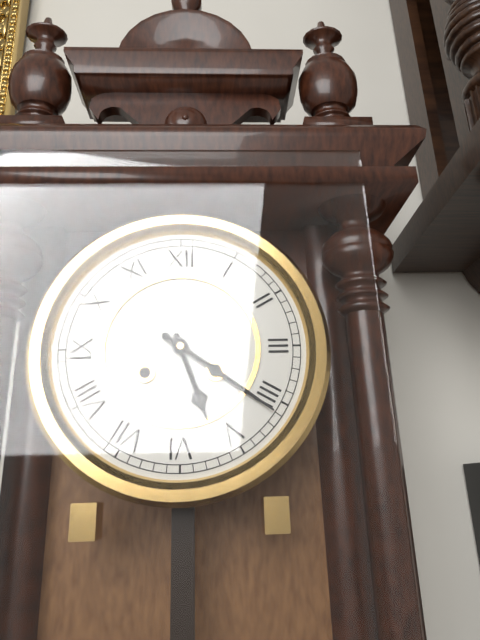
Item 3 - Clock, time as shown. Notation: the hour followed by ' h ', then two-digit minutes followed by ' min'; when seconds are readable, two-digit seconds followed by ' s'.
5 h 21 min
